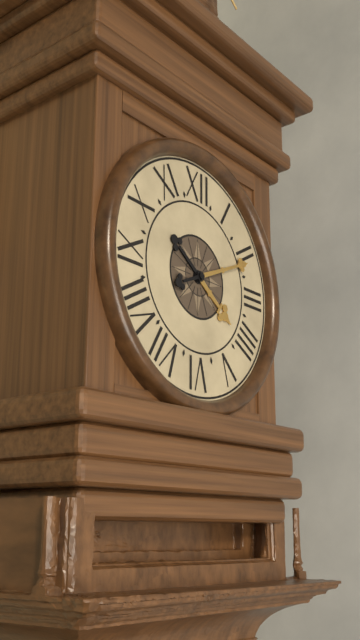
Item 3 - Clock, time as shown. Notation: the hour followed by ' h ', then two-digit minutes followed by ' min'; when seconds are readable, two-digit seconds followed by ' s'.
4 h 11 min
